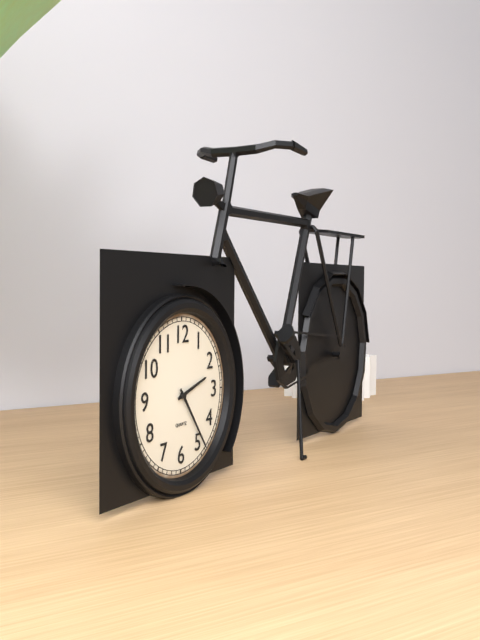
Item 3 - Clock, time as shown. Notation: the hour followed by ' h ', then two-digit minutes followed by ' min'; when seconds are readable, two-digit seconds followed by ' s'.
2 h 24 min
